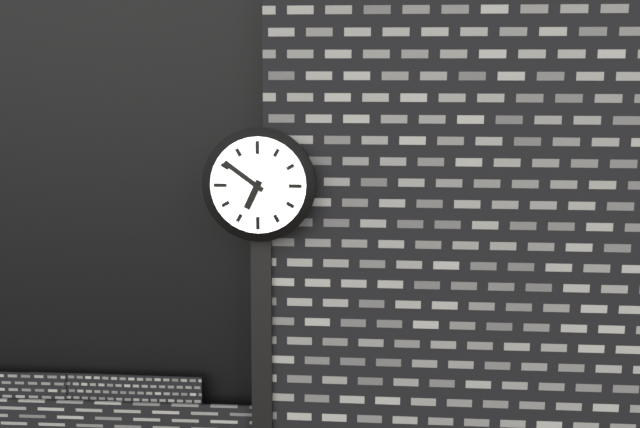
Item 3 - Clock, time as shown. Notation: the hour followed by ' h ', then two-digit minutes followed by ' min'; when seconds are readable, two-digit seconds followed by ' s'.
6 h 51 min
